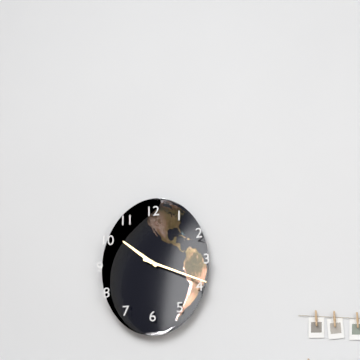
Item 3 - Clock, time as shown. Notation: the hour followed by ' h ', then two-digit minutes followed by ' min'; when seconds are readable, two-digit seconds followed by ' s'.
10 h 19 min
